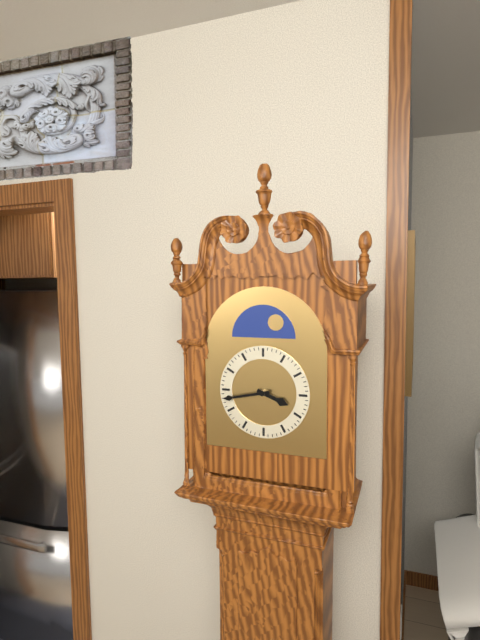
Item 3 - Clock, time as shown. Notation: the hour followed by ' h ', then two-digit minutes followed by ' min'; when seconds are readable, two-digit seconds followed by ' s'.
3 h 43 min
